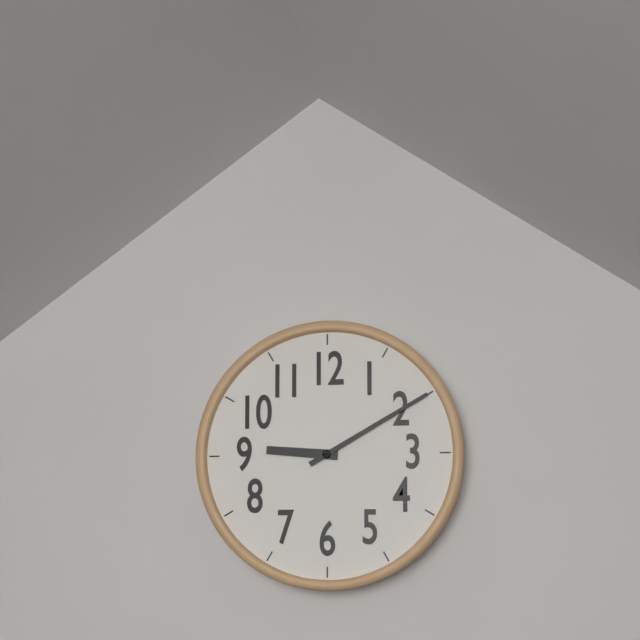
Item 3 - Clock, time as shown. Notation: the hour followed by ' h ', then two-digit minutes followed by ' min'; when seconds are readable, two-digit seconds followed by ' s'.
9 h 10 min
